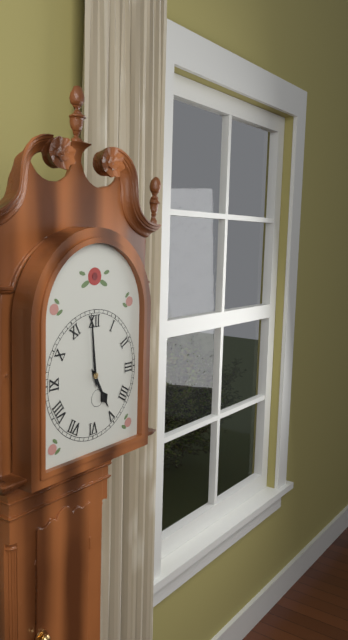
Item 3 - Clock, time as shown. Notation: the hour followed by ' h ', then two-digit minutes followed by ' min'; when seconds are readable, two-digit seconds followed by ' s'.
4 h 59 min
